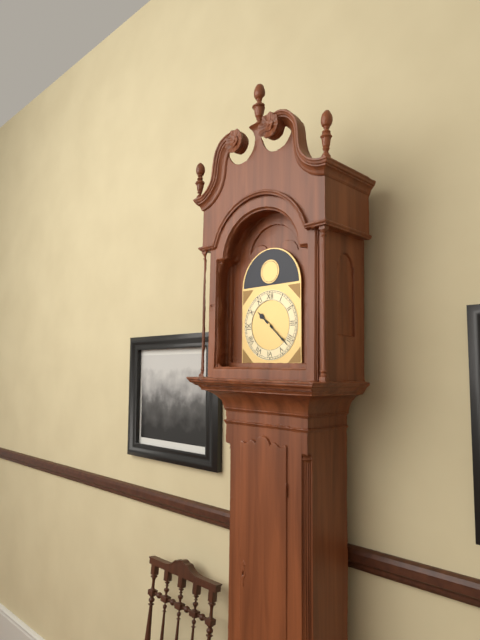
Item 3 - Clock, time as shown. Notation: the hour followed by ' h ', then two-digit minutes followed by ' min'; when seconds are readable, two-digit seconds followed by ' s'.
10 h 22 min
